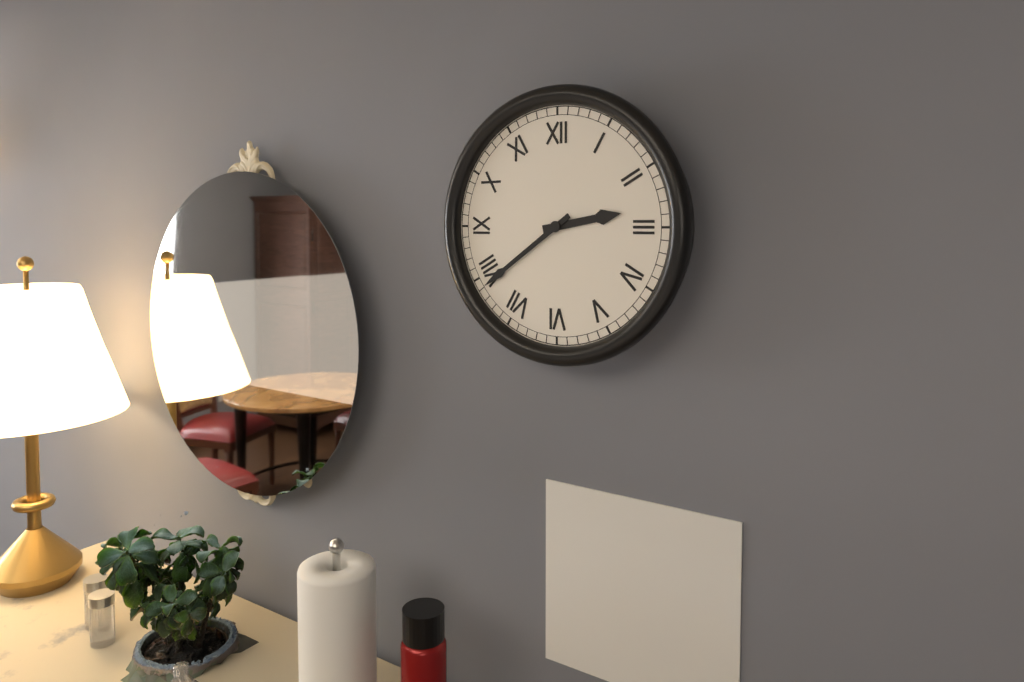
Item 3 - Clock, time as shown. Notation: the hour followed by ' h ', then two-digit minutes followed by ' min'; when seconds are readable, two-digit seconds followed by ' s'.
2 h 39 min
